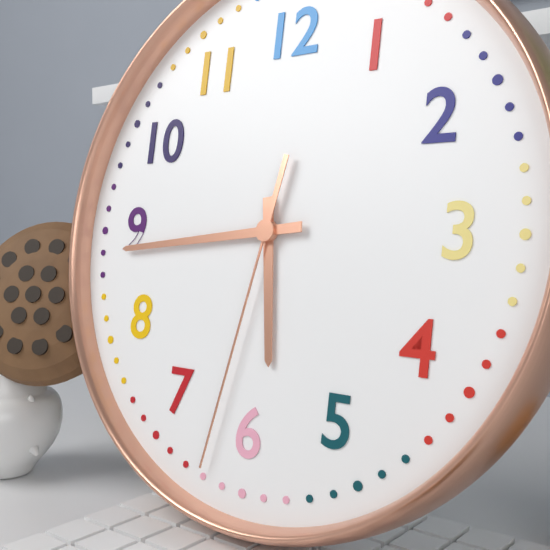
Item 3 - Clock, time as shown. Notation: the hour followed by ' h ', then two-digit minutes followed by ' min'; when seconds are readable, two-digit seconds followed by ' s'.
5 h 44 min 32 s
